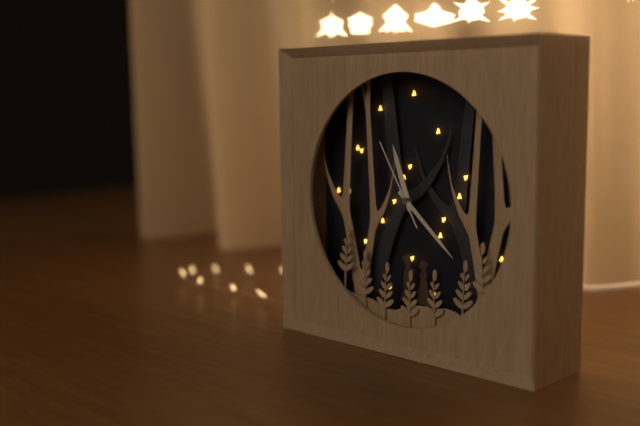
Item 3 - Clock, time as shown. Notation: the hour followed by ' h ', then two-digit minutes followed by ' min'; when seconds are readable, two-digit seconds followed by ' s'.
11 h 22 min 55 s
